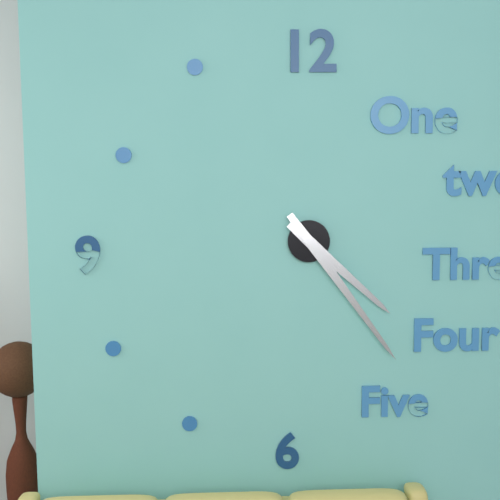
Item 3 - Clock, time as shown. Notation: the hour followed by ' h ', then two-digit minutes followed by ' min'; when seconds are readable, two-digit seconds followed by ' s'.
4 h 24 min
